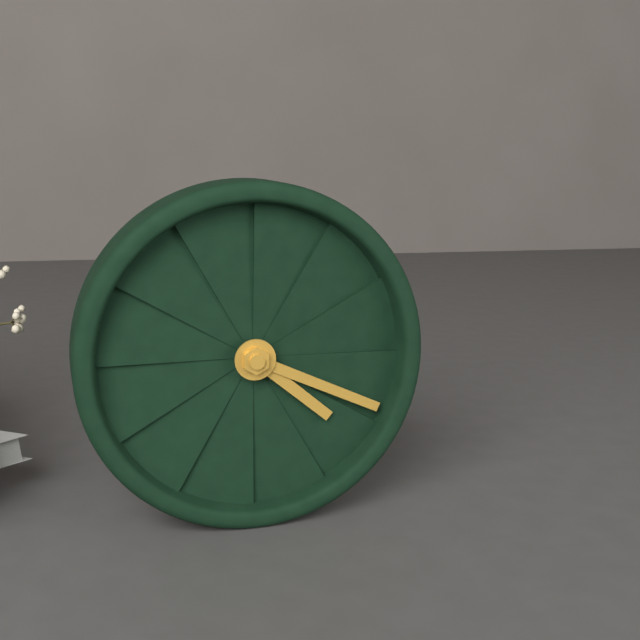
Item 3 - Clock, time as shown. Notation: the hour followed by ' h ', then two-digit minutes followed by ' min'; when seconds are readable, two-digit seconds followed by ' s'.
4 h 19 min
